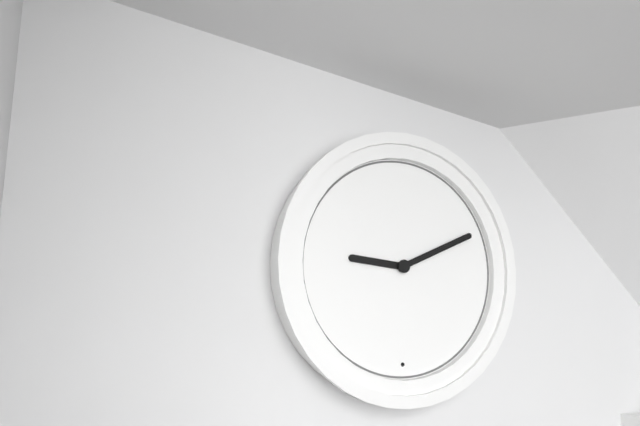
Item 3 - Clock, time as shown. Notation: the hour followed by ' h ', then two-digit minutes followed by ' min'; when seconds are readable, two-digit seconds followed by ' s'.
9 h 11 min
